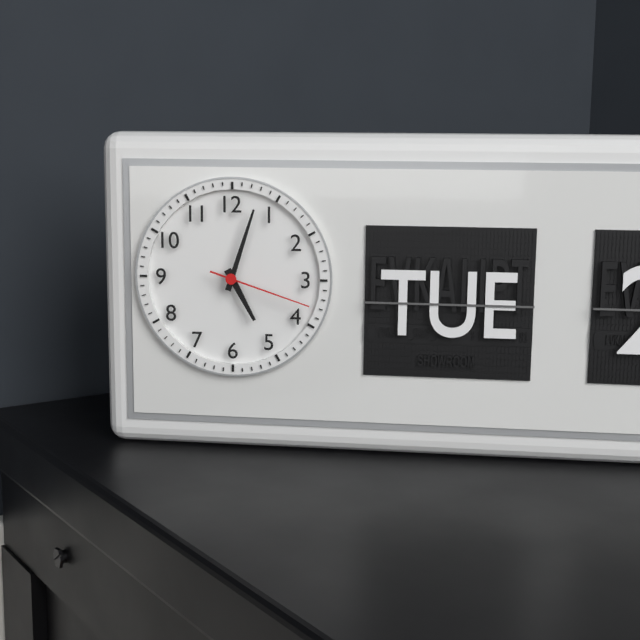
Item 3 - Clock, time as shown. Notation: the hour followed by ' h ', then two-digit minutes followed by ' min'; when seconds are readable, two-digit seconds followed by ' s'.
5 h 03 min 18 s
